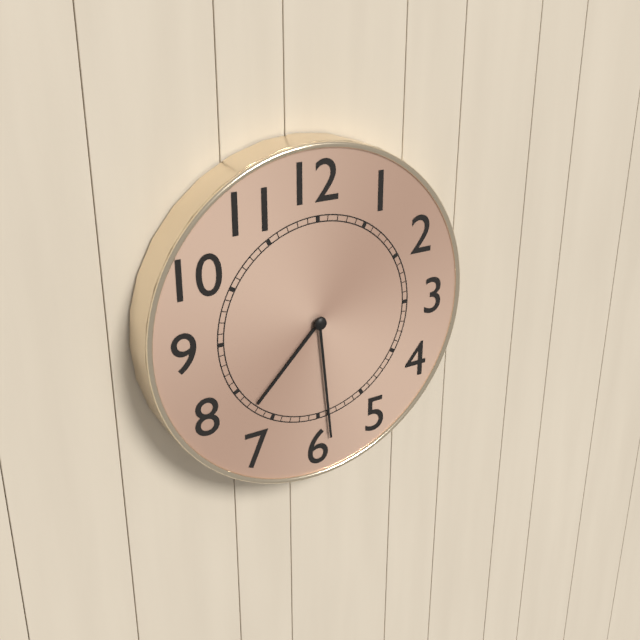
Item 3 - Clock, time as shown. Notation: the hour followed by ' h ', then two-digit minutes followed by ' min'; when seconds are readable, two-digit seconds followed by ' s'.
7 h 29 min
